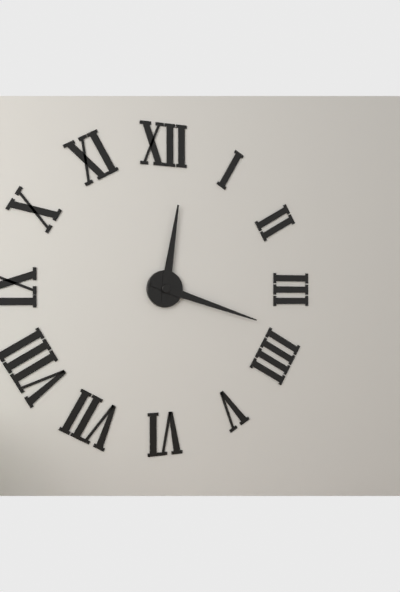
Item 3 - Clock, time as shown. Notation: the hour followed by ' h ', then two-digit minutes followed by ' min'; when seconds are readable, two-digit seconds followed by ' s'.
12 h 18 min
